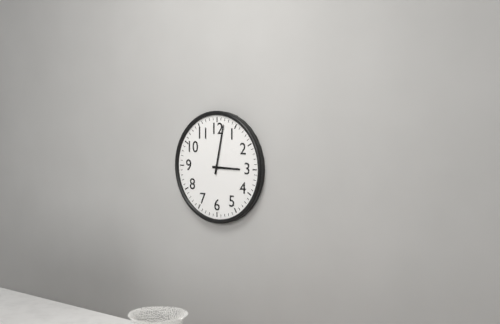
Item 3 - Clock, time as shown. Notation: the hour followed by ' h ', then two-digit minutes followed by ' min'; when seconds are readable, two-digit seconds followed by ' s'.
3 h 02 min
